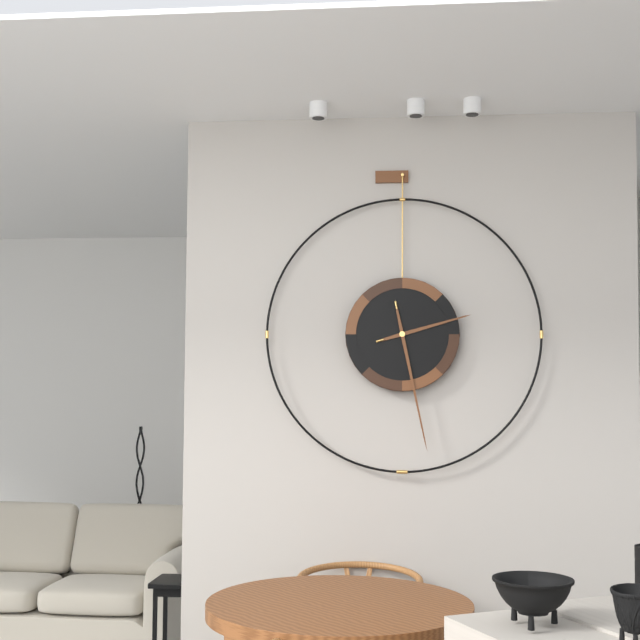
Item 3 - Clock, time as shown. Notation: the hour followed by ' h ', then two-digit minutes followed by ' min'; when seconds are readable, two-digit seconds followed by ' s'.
2 h 28 min
